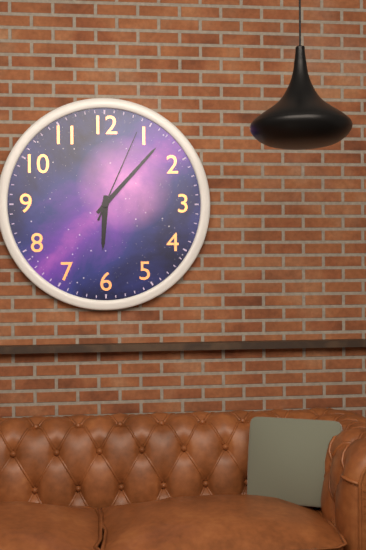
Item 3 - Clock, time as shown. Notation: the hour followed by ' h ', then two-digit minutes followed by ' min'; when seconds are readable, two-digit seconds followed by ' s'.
6 h 07 min 04 s
